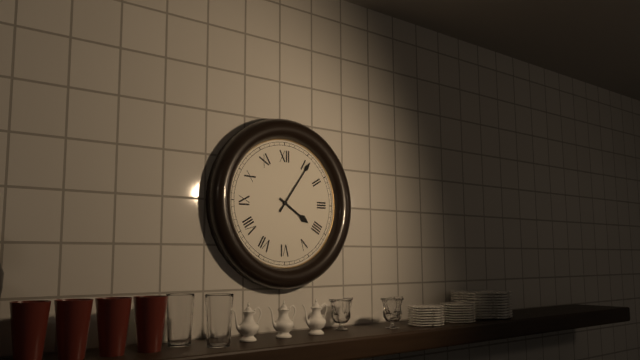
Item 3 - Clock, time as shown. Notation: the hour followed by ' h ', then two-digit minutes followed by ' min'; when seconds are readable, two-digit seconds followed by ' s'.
4 h 06 min
